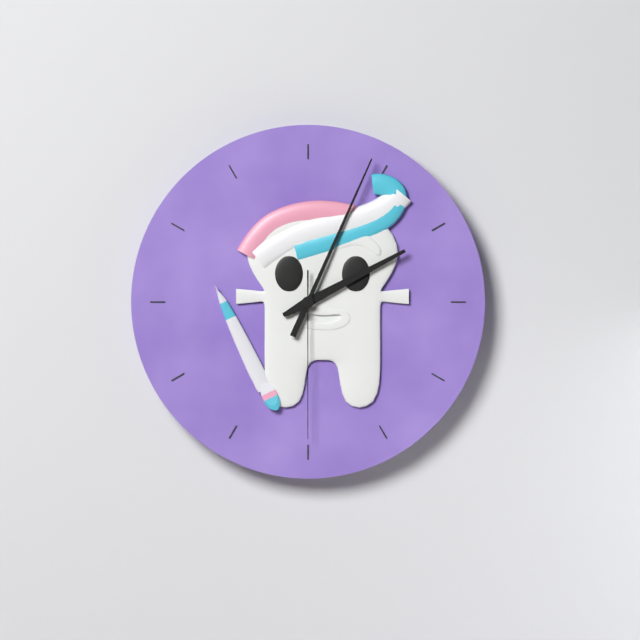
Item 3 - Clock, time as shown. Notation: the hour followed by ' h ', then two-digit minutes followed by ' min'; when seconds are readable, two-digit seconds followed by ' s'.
2 h 04 min 30 s
